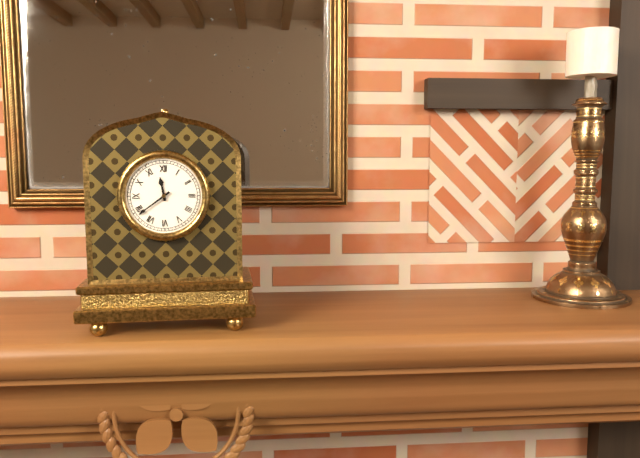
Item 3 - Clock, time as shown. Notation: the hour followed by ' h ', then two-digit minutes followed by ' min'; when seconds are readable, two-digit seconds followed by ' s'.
11 h 39 min
